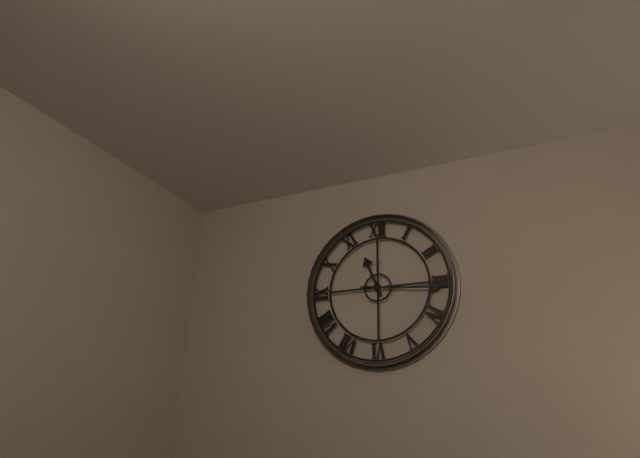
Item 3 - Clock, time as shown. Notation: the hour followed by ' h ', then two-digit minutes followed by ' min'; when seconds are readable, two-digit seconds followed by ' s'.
11 h 16 min
